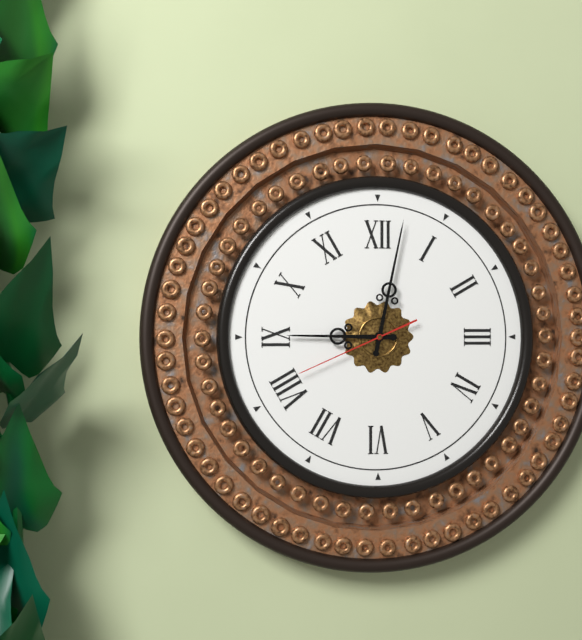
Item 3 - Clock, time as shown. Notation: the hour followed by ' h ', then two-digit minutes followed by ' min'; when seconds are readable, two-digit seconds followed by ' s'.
9 h 02 min 41 s
